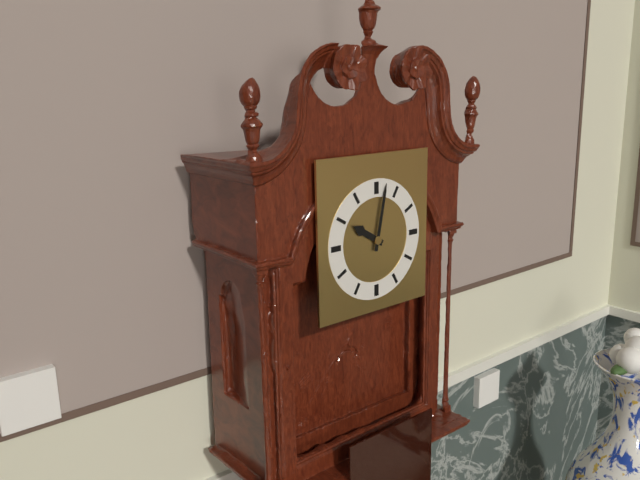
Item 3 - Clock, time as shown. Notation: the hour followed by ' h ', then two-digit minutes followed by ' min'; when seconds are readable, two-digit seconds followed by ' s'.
10 h 02 min
